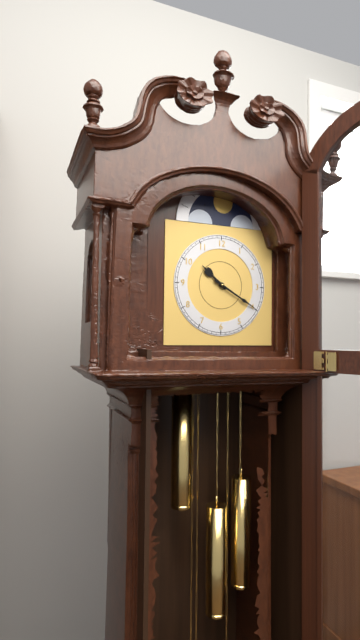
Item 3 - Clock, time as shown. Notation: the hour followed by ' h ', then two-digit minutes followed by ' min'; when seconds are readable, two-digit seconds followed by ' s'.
10 h 20 min
